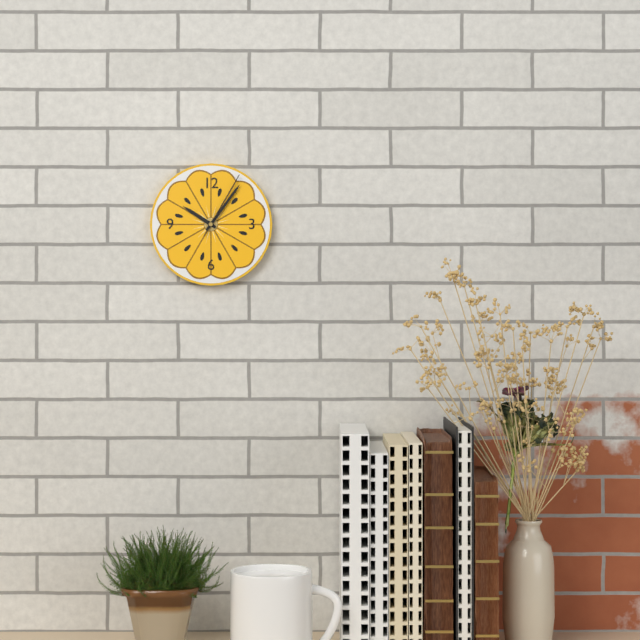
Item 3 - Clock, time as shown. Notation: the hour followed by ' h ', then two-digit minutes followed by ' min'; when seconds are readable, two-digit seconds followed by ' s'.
10 h 06 min 05 s
